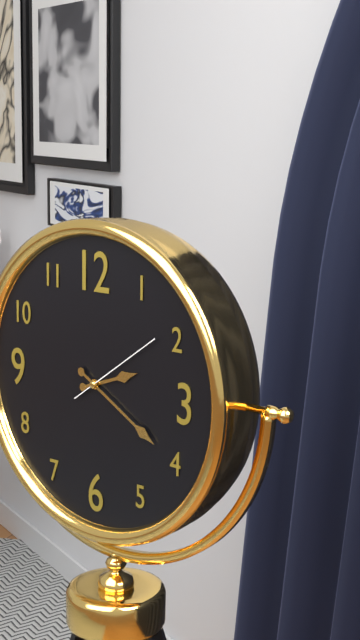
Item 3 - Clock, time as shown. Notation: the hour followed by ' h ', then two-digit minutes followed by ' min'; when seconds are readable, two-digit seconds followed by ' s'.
2 h 20 min 09 s
